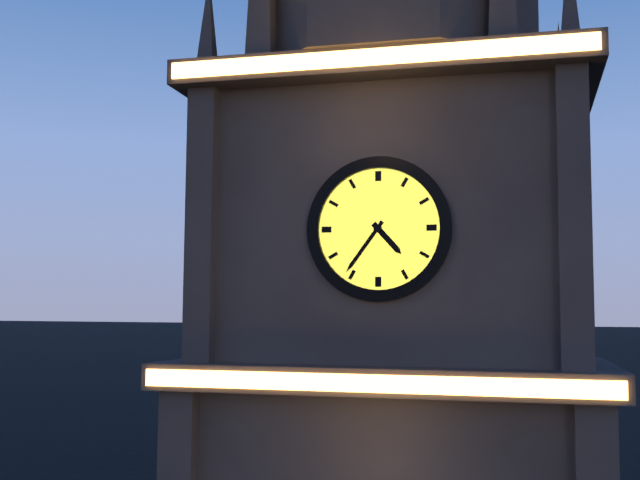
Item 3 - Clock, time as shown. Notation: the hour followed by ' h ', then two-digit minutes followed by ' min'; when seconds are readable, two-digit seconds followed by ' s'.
4 h 36 min
